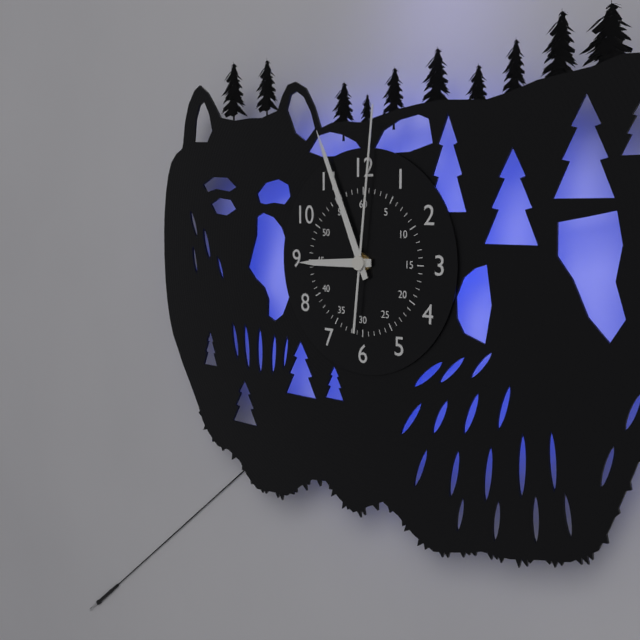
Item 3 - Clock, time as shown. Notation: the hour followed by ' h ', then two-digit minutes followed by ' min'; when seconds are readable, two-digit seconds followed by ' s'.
8 h 56 min 01 s
